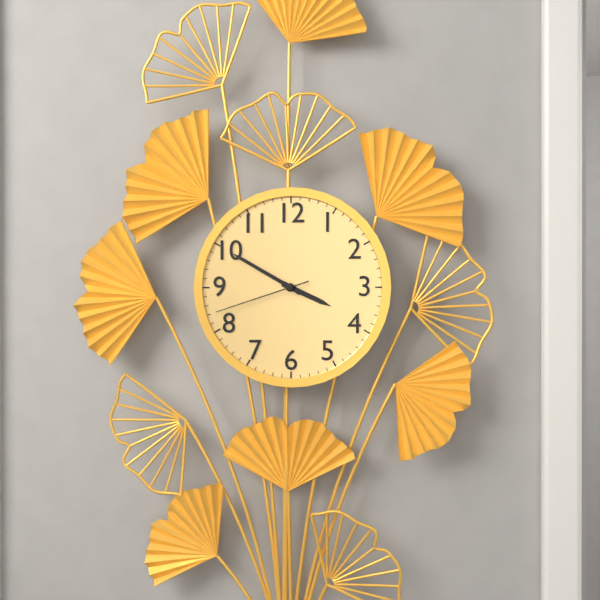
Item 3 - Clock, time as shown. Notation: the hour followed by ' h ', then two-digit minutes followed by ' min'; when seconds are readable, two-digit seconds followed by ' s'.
3 h 50 min 42 s
